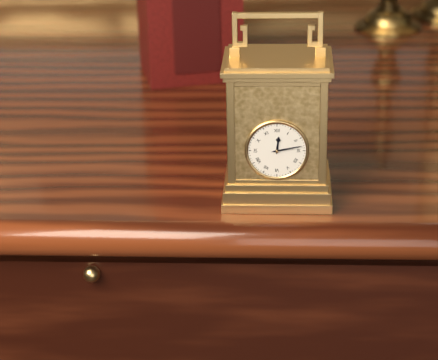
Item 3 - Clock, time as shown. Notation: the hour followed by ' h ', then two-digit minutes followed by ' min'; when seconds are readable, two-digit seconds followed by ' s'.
12 h 13 min
